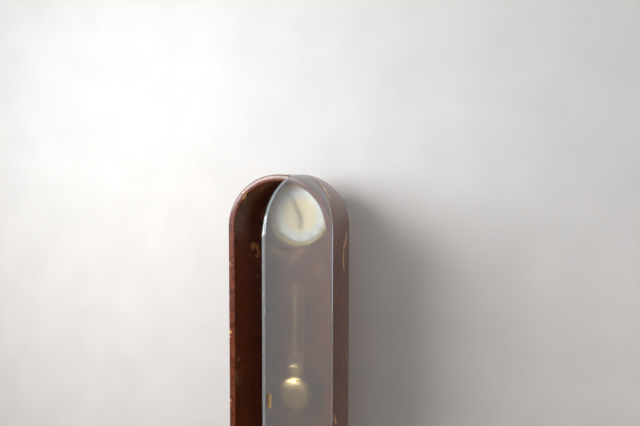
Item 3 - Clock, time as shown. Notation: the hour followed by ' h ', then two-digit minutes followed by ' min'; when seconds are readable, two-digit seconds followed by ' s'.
5 h 56 min
